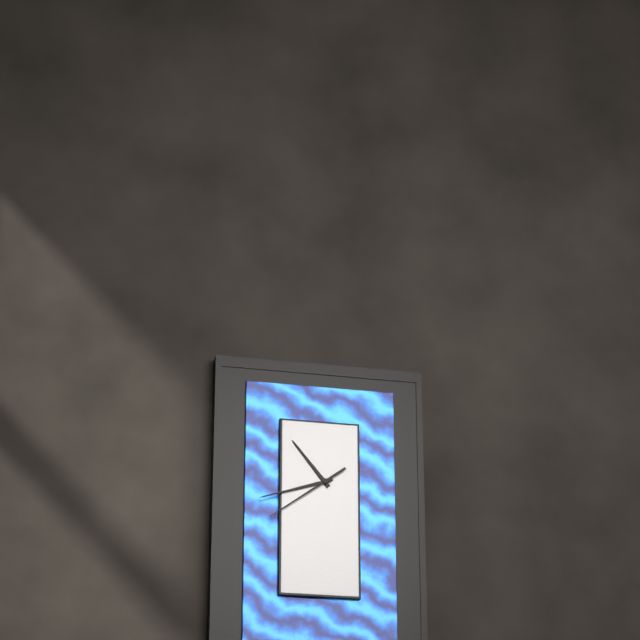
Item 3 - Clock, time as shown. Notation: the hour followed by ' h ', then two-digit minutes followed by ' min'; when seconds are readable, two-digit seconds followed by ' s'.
10 h 42 min 39 s
